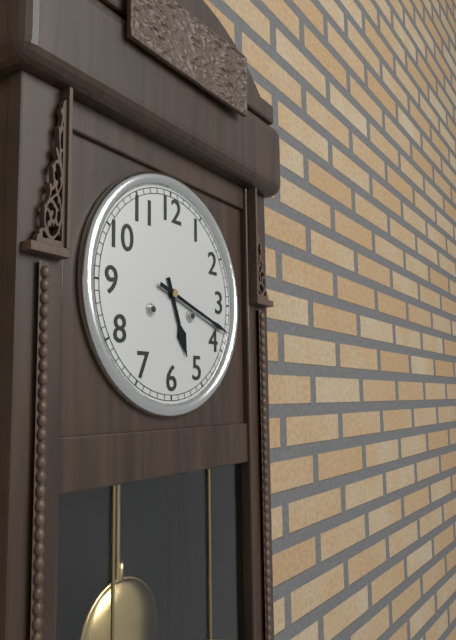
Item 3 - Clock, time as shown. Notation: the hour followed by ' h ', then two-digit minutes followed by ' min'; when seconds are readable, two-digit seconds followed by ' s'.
5 h 18 min
